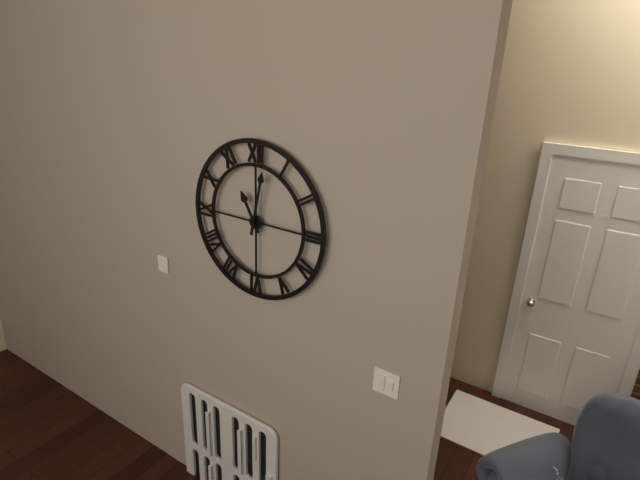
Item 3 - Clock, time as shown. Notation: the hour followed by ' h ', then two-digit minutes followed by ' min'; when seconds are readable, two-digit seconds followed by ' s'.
11 h 02 min
